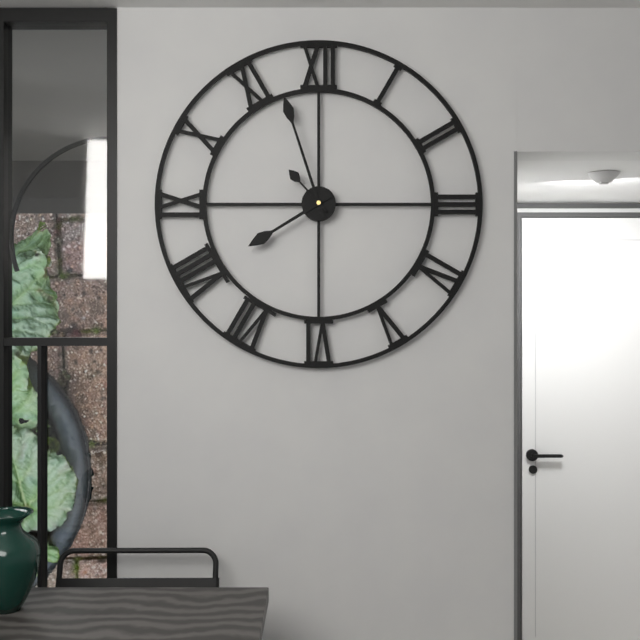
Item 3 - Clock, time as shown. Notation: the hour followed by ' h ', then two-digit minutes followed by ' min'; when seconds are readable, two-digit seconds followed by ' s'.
7 h 57 min 53 s
